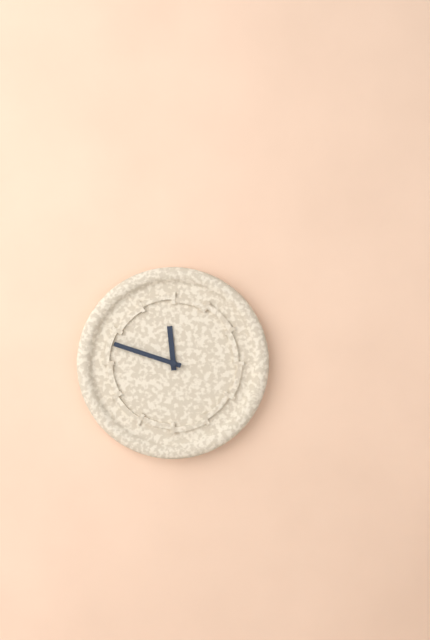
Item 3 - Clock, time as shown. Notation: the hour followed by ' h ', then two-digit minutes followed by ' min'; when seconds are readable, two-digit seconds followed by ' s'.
11 h 48 min
